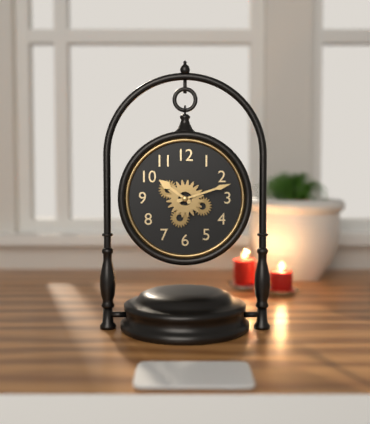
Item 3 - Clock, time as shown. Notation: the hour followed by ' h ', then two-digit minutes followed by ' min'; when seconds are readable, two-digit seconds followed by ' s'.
10 h 12 min
